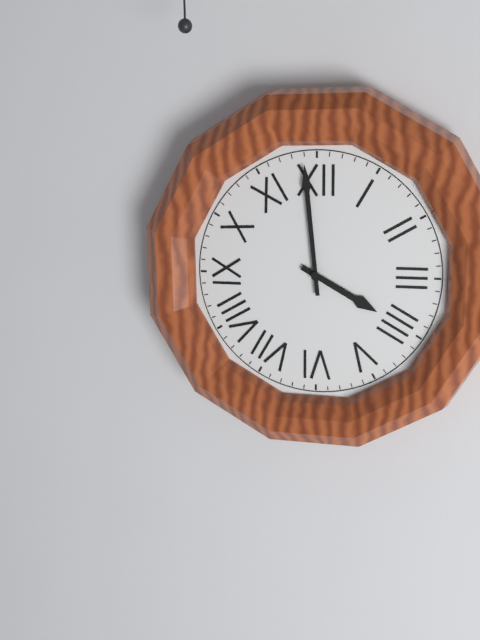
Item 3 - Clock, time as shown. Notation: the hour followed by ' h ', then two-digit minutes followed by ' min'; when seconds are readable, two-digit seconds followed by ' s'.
3 h 59 min
